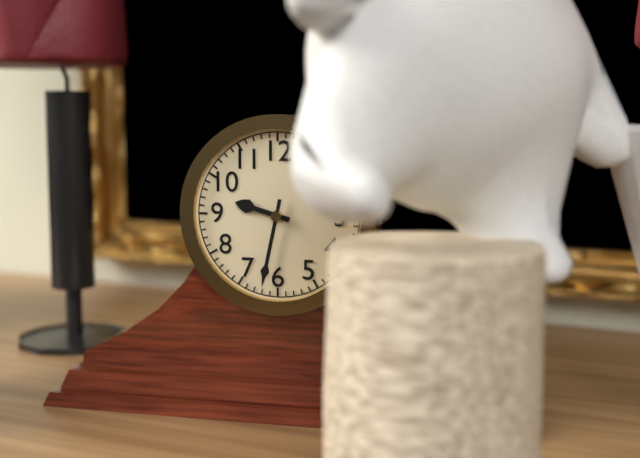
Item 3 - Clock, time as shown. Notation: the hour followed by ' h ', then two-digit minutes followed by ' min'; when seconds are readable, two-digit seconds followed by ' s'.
9 h 32 min
